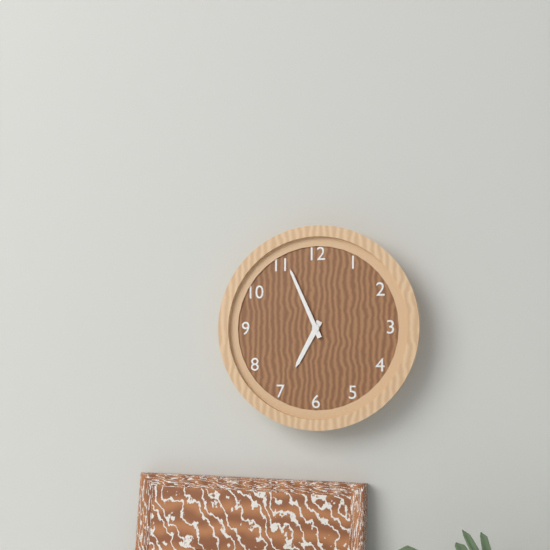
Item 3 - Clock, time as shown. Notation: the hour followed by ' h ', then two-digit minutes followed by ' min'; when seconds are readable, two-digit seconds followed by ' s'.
6 h 56 min
